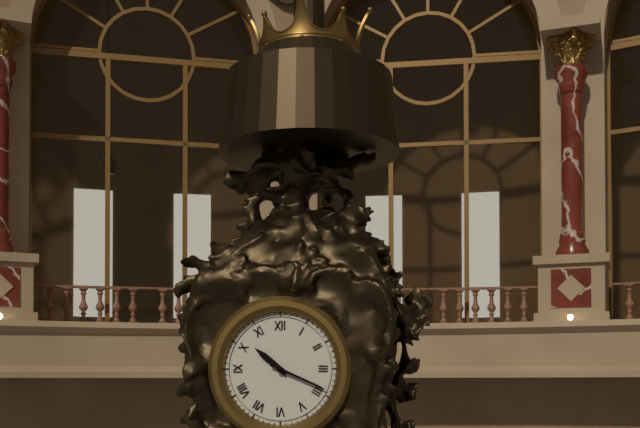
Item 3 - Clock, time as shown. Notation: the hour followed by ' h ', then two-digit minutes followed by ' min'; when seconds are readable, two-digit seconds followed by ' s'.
10 h 19 min
